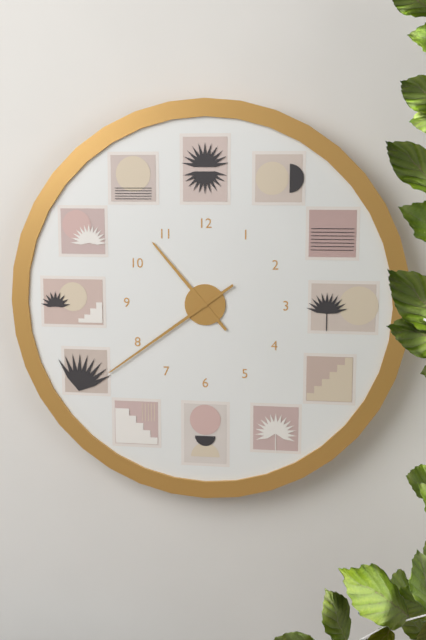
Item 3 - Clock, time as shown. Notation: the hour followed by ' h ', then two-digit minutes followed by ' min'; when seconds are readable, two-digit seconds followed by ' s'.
10 h 39 min
